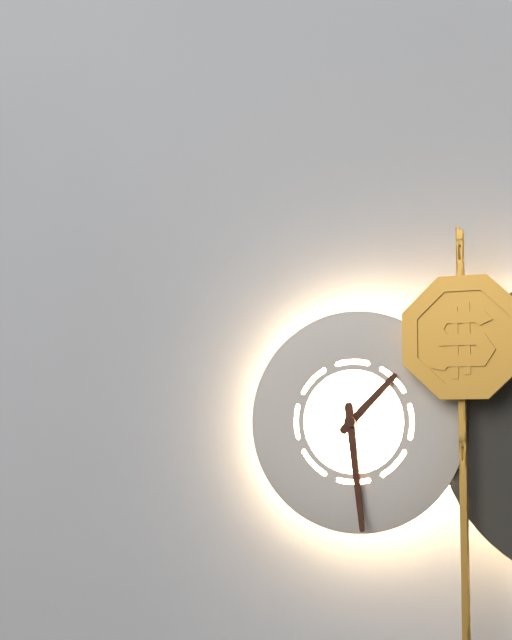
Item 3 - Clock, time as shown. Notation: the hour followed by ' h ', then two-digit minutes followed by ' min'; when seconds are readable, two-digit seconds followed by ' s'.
1 h 29 min
